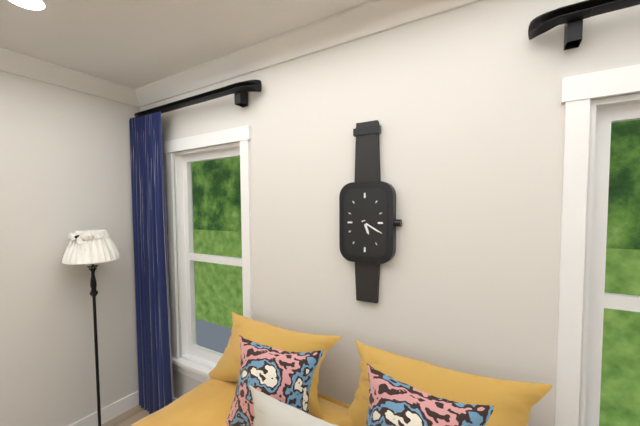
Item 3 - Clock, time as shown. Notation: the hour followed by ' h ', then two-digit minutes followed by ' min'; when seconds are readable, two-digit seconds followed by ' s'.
5 h 20 min
